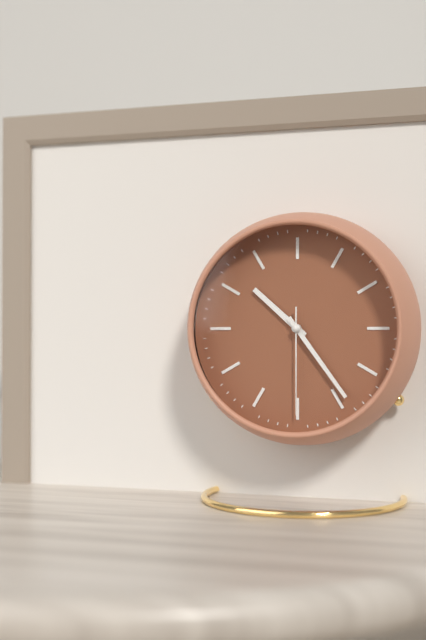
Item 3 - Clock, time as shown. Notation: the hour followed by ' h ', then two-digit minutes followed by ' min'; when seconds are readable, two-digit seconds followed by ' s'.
10 h 24 min 30 s
